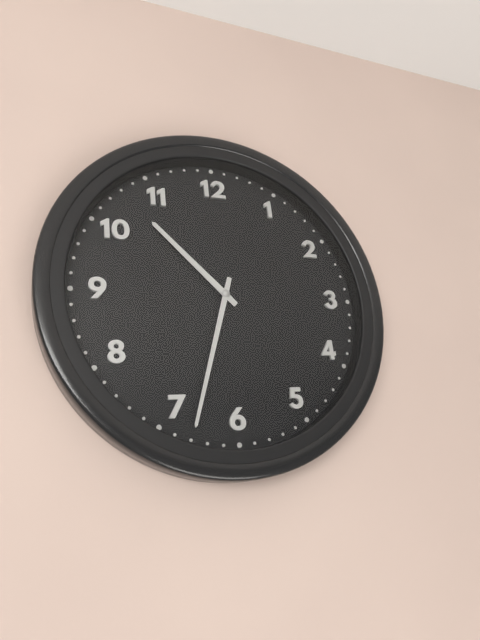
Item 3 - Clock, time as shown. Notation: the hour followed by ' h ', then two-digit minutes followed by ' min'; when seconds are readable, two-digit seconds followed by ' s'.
10 h 33 min
